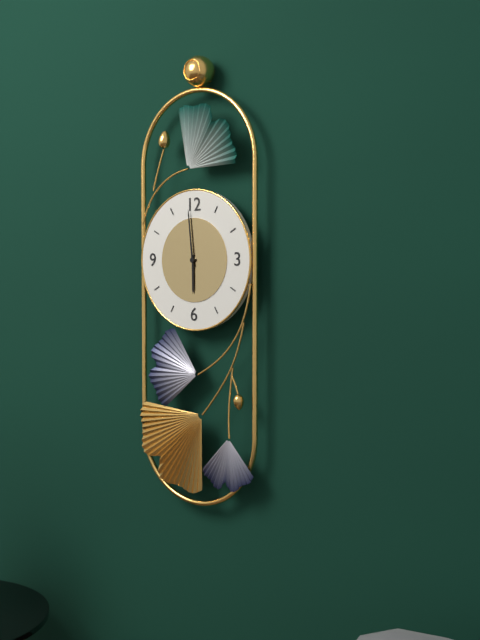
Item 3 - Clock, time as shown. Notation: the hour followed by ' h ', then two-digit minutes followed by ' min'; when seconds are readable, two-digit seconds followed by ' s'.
5 h 59 min
